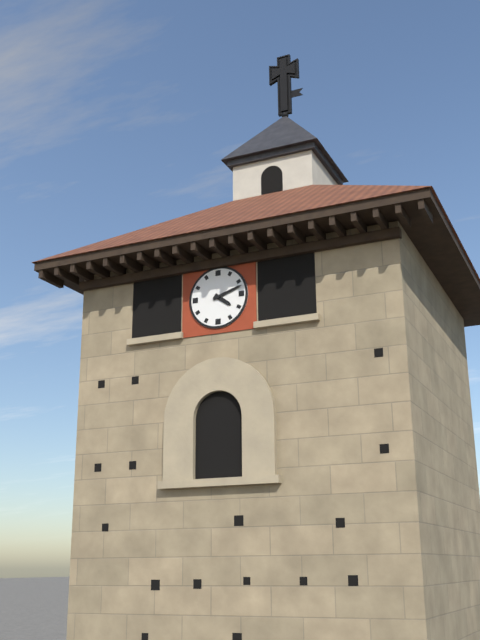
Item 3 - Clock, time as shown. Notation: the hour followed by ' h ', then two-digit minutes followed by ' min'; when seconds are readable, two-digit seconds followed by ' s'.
4 h 12 min
